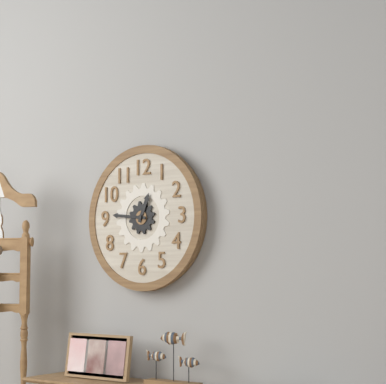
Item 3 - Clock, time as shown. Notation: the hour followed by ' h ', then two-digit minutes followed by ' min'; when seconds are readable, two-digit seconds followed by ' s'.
12 h 46 min
